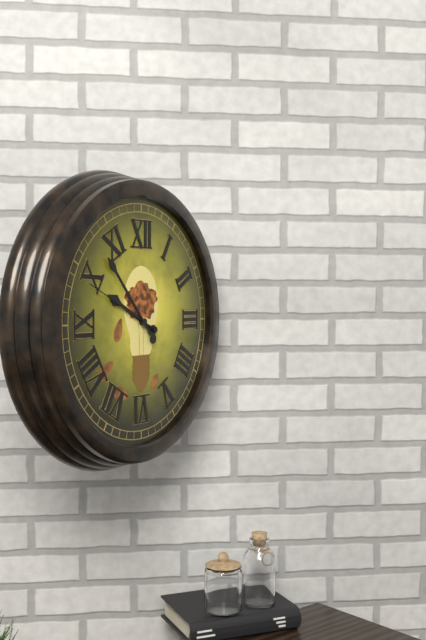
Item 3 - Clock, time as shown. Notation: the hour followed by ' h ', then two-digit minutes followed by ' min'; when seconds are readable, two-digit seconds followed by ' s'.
9 h 53 min 49 s
